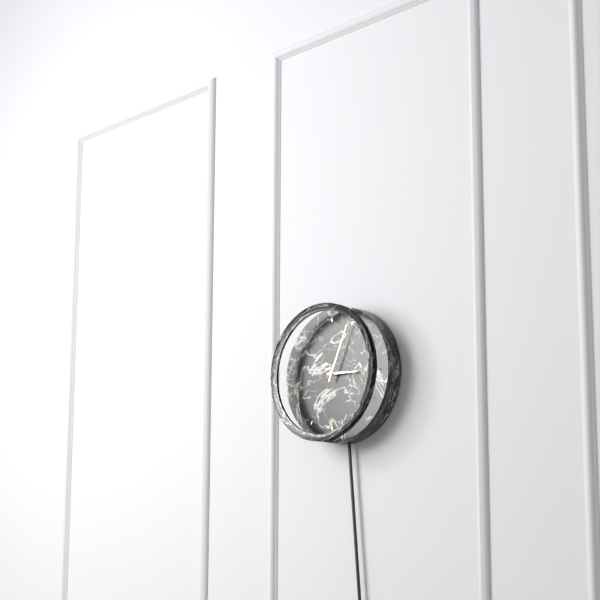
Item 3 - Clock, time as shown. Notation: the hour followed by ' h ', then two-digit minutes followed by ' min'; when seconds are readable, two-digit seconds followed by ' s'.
3 h 04 min
